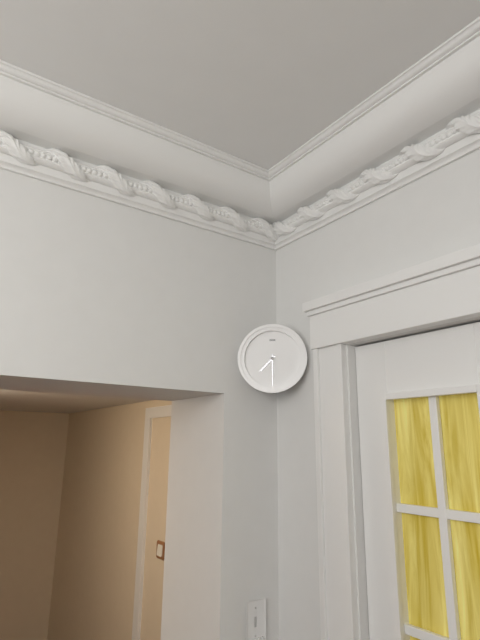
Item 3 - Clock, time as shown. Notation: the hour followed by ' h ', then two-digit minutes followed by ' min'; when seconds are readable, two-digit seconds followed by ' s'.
7 h 30 min
